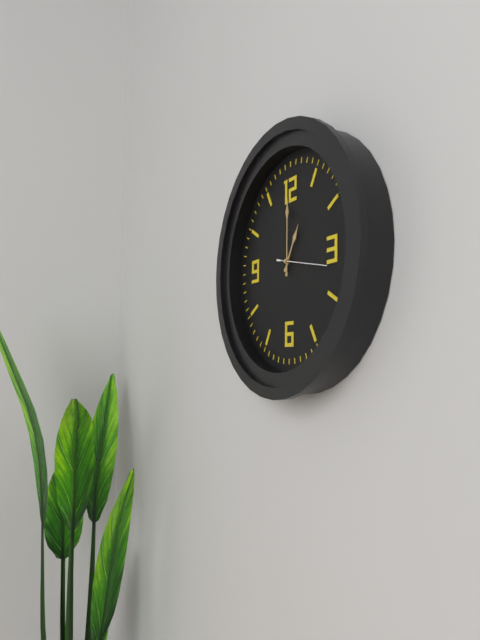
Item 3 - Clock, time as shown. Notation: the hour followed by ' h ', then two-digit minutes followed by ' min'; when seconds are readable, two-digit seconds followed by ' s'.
1 h 00 min 17 s
